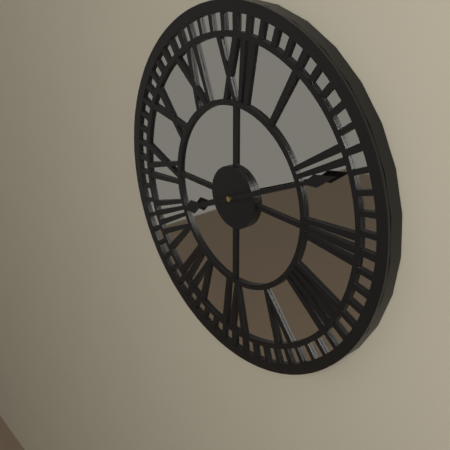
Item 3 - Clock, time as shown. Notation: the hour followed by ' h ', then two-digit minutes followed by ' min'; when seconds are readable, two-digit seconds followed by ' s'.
8 h 11 min
